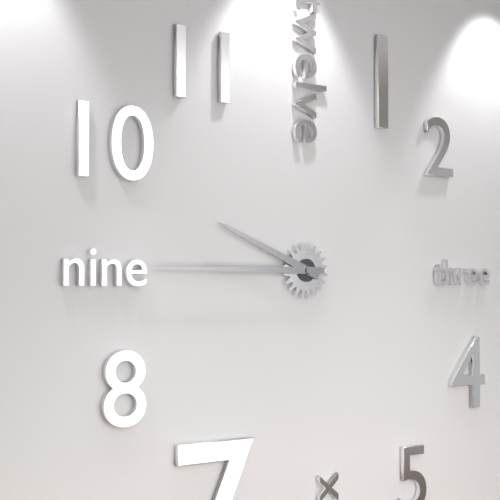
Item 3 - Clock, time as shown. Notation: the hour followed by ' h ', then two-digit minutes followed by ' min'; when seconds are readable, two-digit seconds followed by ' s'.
9 h 45 min
